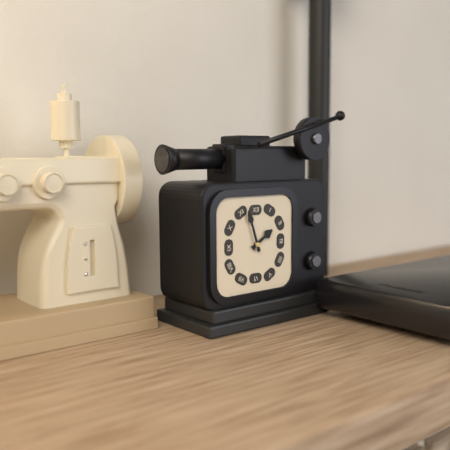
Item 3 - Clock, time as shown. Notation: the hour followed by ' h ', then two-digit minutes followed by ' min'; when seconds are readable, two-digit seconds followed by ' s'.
1 h 57 min
